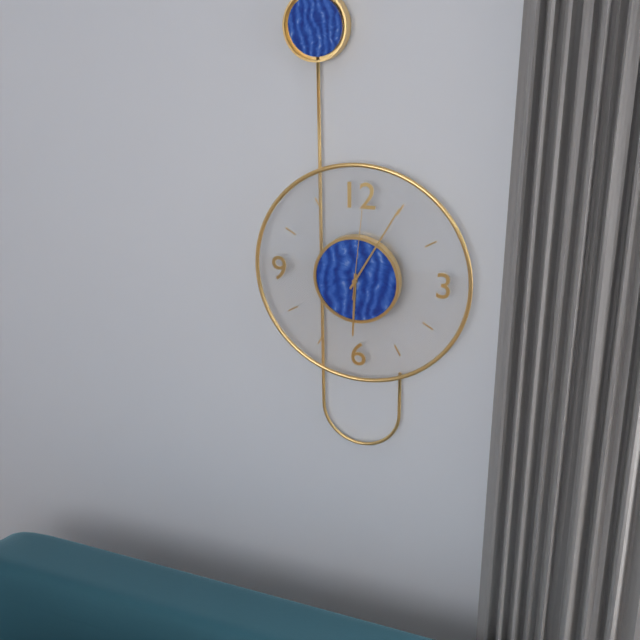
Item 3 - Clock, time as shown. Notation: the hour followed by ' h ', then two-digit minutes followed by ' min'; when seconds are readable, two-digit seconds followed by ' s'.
6 h 05 min 01 s
